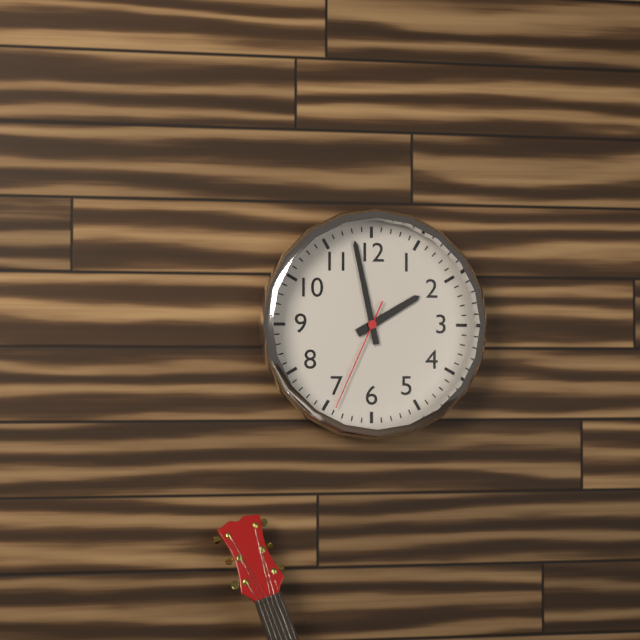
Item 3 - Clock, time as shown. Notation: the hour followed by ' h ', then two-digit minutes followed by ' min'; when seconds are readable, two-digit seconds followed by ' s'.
1 h 58 min 34 s
